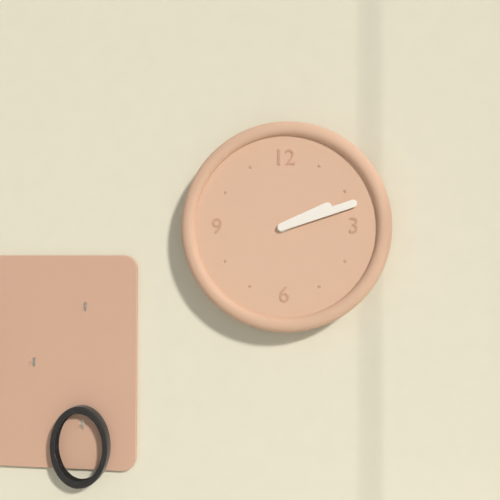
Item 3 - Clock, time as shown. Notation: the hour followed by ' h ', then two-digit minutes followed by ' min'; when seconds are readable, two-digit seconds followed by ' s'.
2 h 12 min
